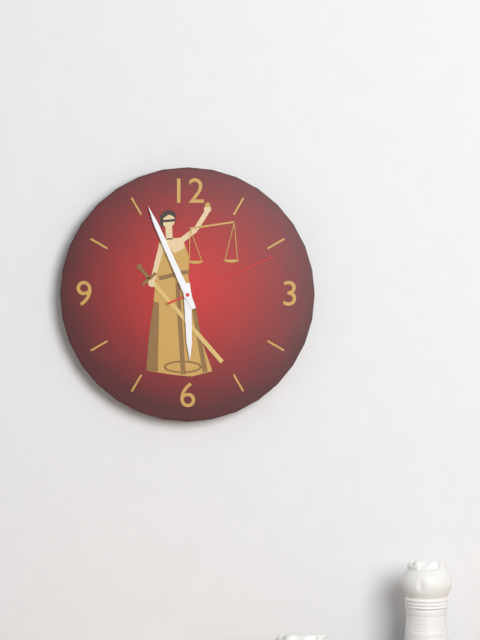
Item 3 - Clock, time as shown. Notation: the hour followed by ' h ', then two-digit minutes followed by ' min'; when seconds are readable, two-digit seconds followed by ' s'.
5 h 56 min 11 s
